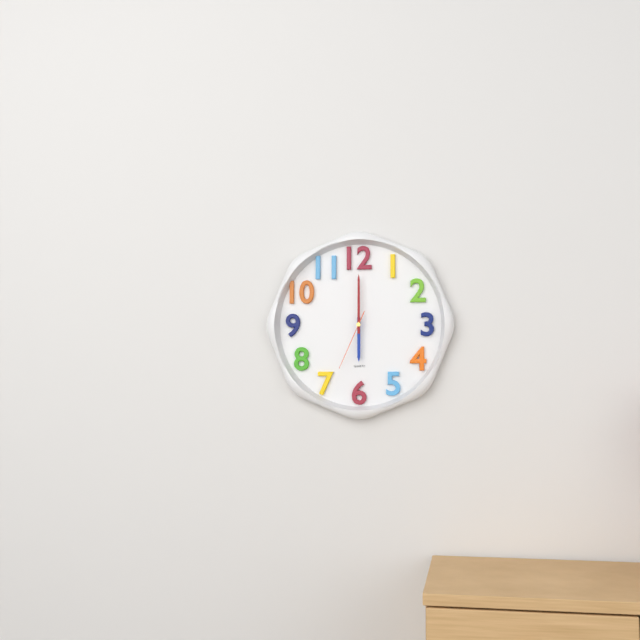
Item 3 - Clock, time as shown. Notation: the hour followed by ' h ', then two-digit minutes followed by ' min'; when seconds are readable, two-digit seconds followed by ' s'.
6 h 00 min 34 s
